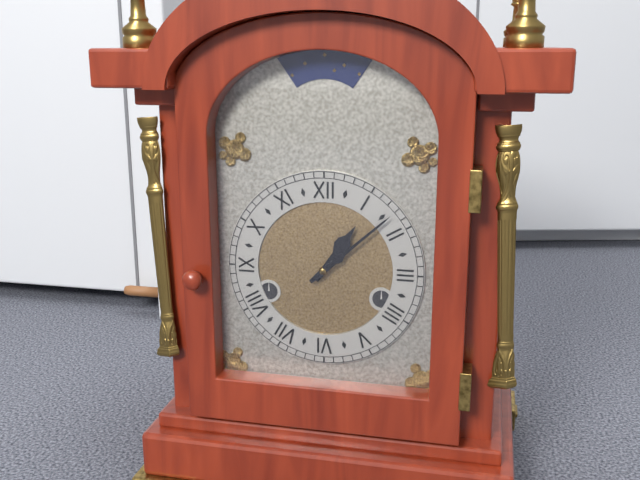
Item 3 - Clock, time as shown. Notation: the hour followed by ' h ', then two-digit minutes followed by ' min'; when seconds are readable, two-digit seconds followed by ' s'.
1 h 08 min
